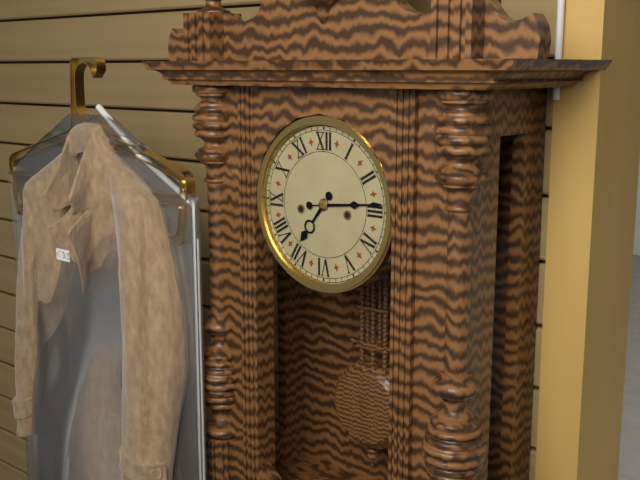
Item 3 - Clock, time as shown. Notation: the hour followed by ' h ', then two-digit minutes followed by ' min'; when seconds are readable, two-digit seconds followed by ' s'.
7 h 14 min
